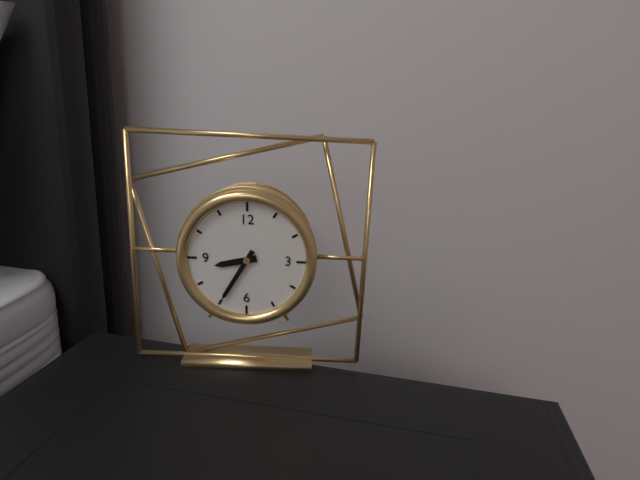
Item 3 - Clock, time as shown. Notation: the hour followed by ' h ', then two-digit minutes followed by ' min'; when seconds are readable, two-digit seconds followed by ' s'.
8 h 35 min
